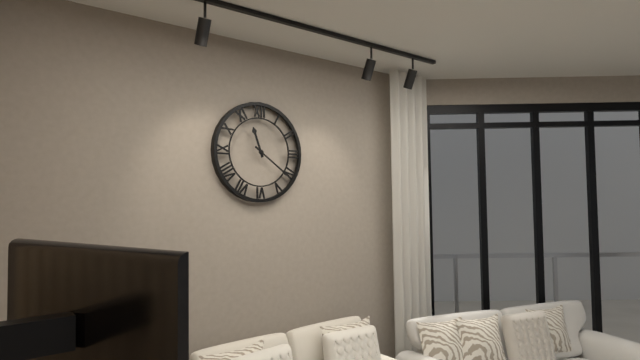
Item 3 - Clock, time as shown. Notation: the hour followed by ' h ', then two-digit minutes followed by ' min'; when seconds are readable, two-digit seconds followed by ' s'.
11 h 21 min
